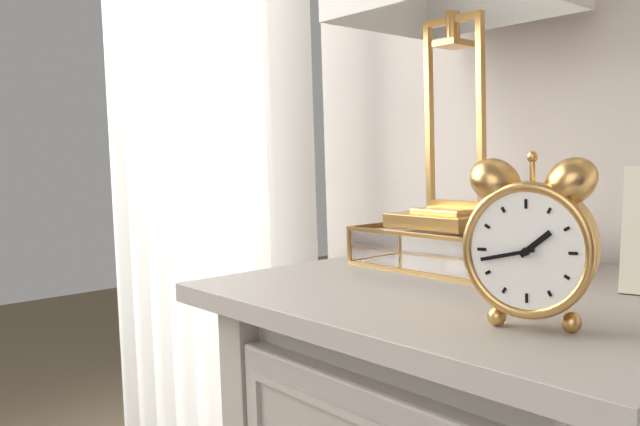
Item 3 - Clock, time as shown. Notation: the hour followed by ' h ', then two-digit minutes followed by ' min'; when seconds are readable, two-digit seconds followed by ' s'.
1 h 43 min
